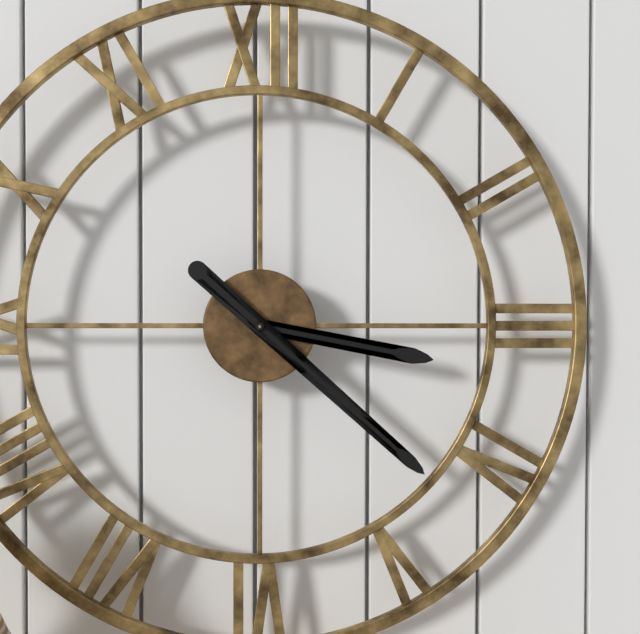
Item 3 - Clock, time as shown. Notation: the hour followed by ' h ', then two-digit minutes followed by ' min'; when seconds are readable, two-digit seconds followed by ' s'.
3 h 22 min
